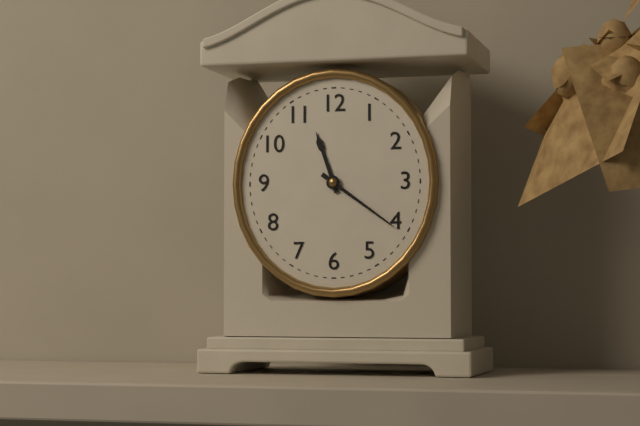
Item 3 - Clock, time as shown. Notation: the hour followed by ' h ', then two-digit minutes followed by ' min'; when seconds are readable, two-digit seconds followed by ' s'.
11 h 21 min
